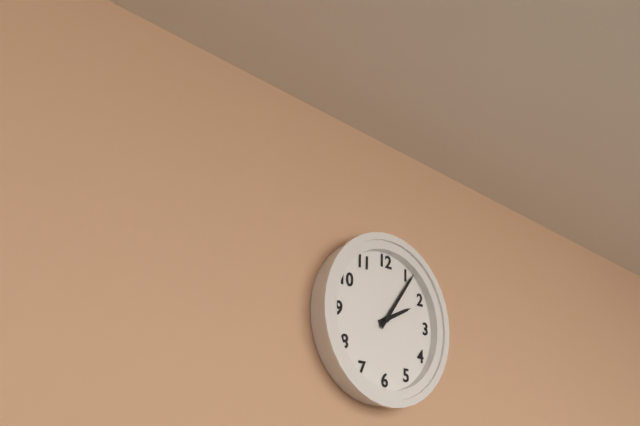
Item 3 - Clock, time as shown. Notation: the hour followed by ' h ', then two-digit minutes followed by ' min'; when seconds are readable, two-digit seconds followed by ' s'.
2 h 06 min
